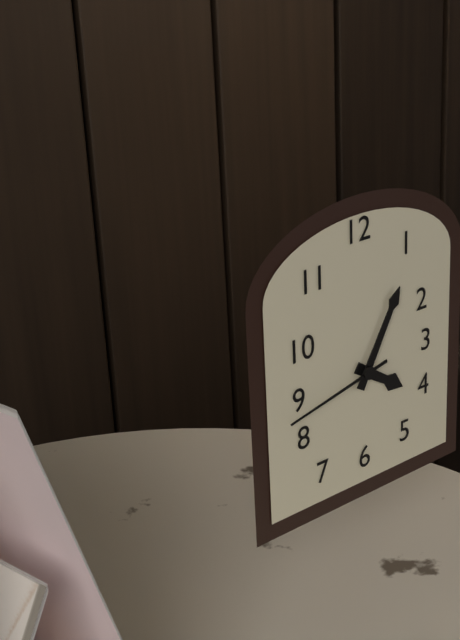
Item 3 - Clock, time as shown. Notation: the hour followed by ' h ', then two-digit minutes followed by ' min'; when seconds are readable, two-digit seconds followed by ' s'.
4 h 05 min 43 s
